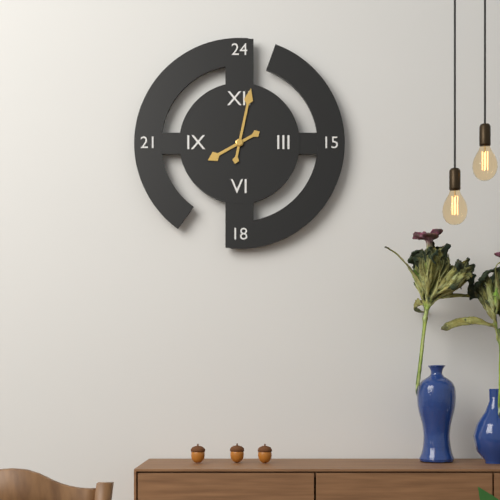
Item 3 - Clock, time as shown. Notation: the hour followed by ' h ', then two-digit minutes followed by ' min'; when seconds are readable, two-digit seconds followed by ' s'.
8 h 02 min
